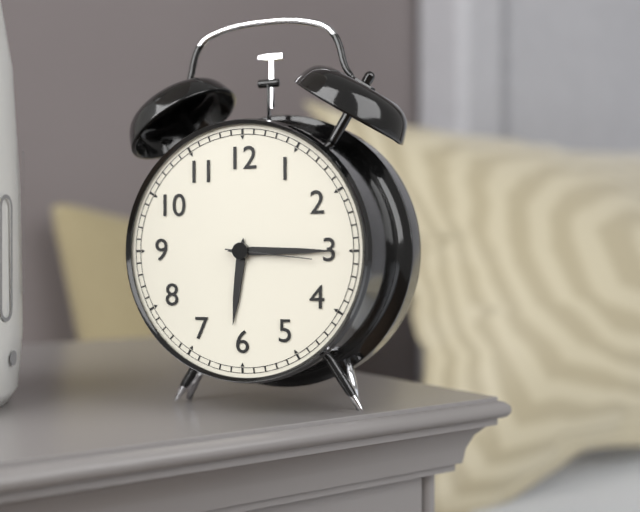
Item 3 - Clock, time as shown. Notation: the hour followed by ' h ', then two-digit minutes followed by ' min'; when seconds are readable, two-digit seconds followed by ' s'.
6 h 15 min 16 s
